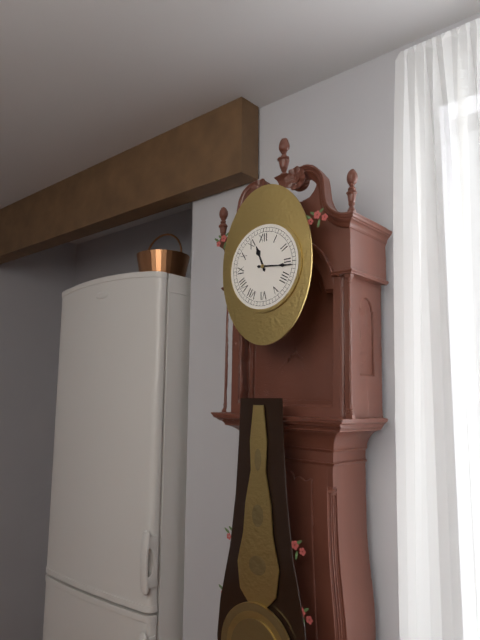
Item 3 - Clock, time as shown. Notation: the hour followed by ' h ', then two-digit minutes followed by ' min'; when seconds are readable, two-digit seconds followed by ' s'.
11 h 16 min
